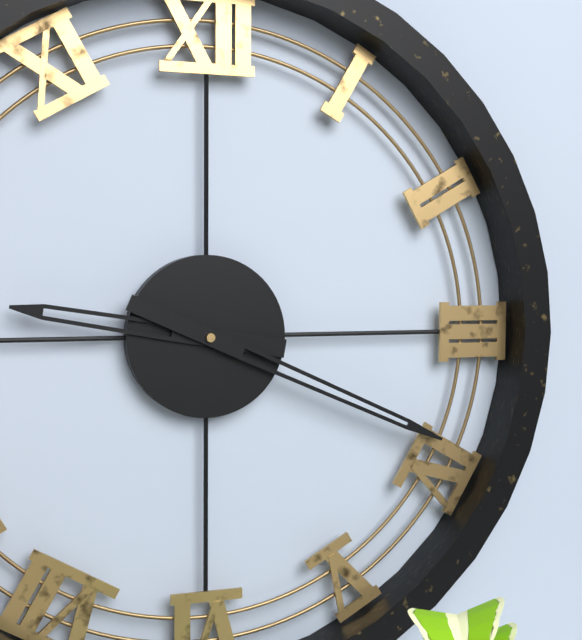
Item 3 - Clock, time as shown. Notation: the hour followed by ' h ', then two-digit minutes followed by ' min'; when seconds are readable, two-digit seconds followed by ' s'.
9 h 19 min
